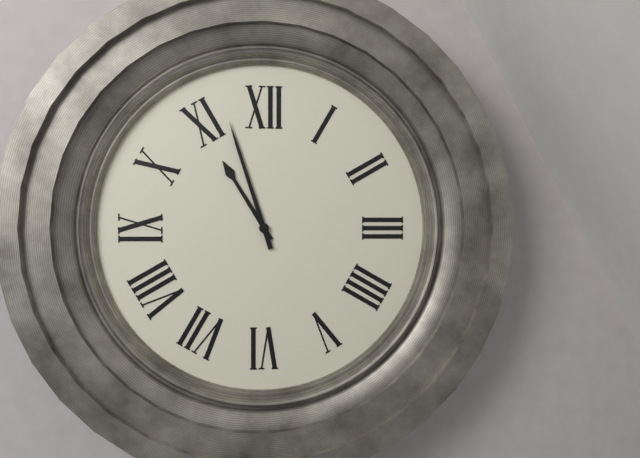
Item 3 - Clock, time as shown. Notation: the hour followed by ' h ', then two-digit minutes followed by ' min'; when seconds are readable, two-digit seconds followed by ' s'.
10 h 57 min
